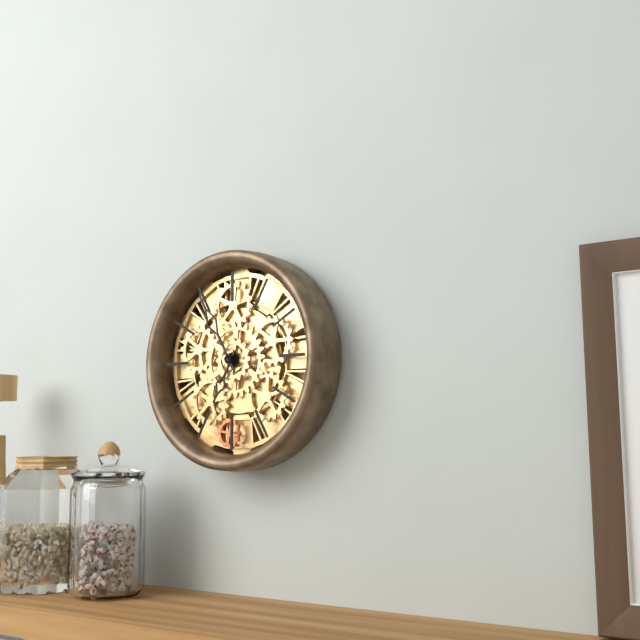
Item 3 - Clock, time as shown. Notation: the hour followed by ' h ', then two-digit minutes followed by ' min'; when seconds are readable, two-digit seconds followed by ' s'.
6 h 55 min
